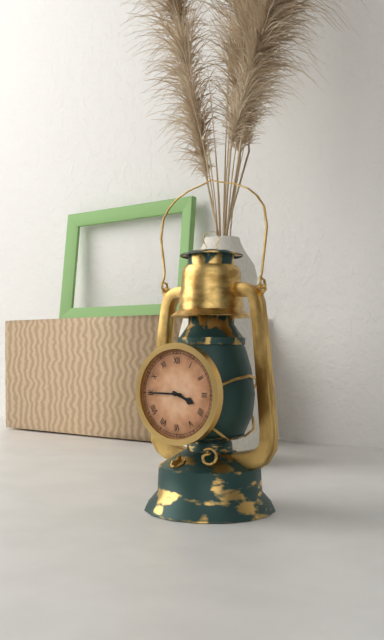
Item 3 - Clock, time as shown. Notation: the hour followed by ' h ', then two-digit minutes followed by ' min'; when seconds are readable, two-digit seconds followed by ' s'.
3 h 45 min
